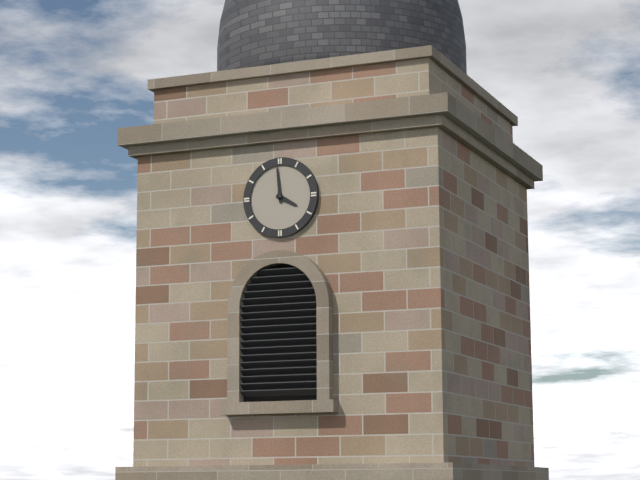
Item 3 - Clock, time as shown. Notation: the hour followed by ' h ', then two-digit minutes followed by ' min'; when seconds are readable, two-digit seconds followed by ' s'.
3 h 59 min
